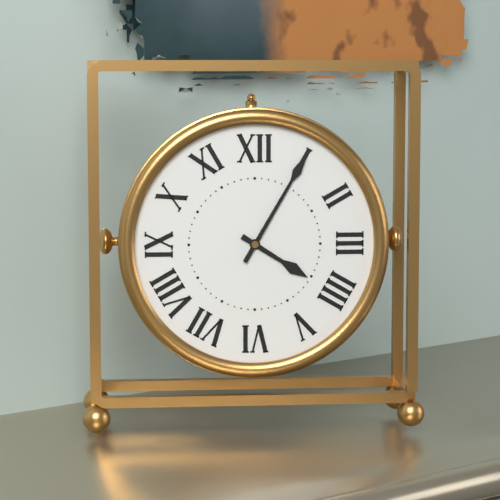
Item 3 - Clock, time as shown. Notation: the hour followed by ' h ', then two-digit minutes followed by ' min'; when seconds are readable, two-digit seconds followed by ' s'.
4 h 05 min
